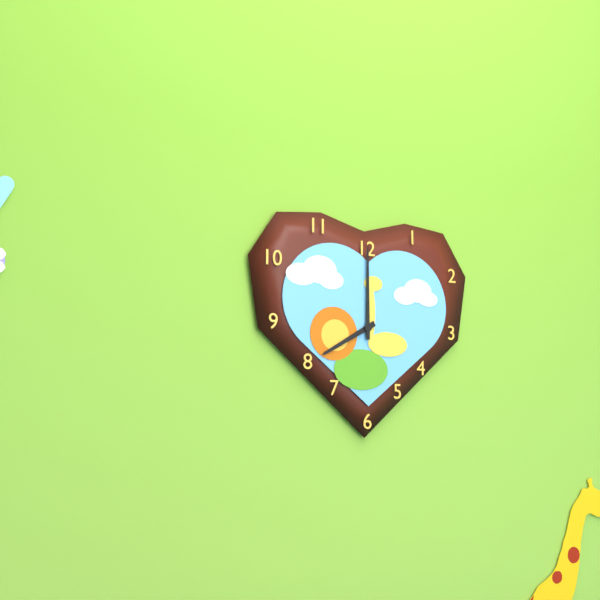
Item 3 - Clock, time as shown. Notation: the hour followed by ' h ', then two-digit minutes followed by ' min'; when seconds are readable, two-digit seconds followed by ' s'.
8 h 00 min
